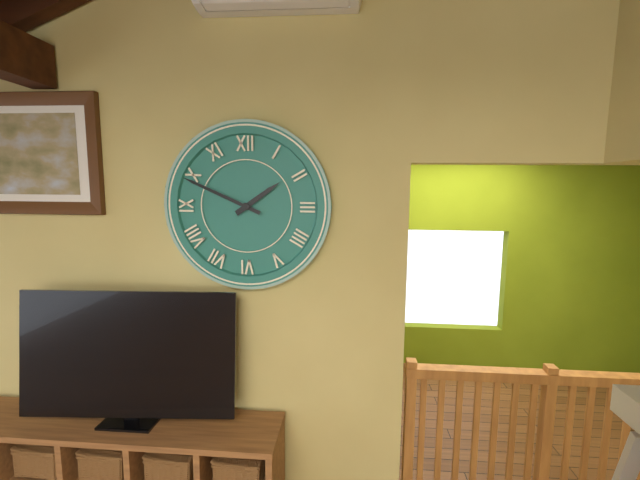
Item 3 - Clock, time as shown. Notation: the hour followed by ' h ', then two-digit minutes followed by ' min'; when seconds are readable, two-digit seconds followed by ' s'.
1 h 49 min
